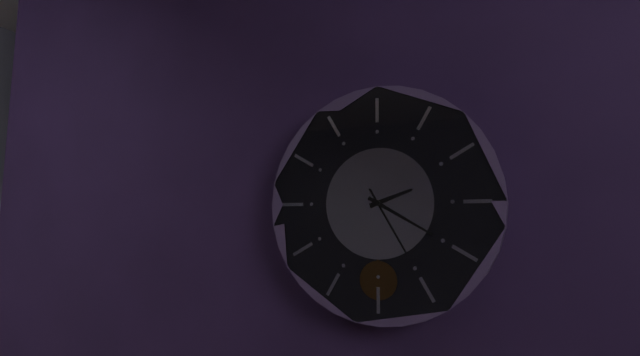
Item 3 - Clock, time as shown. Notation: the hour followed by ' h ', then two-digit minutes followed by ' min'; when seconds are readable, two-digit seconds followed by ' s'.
2 h 20 min 25 s
